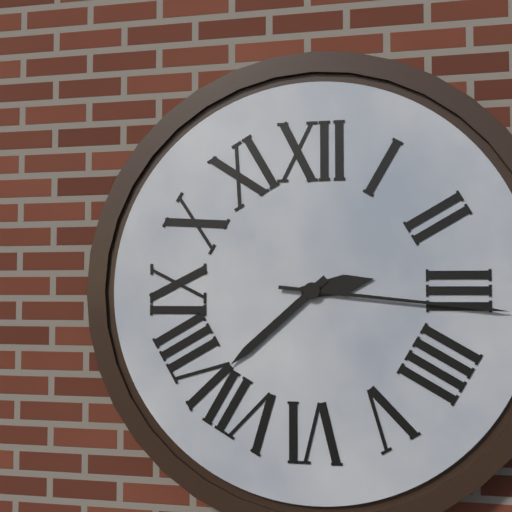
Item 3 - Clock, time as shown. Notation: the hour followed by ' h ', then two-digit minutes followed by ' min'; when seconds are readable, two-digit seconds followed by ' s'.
2 h 38 min 16 s
